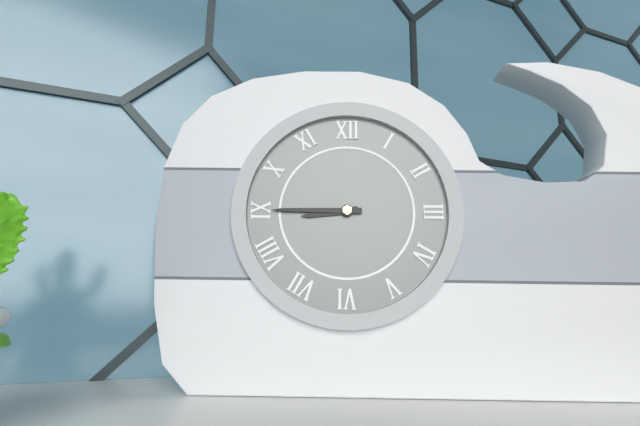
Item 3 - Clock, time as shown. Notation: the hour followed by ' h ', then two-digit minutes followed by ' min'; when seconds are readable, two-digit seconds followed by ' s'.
8 h 45 min
